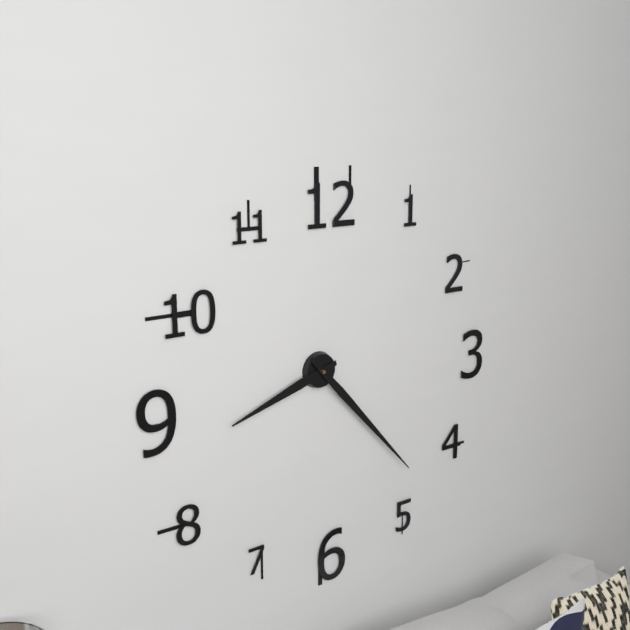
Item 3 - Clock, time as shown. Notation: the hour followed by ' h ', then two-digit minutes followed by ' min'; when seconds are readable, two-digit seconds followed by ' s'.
8 h 23 min
